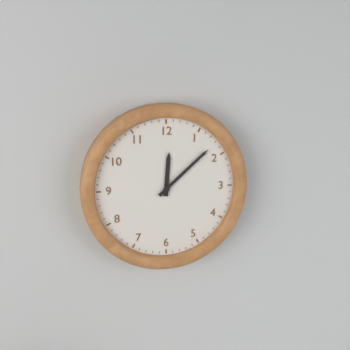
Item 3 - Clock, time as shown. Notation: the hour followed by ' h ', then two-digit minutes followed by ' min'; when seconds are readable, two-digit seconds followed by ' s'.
12 h 08 min
